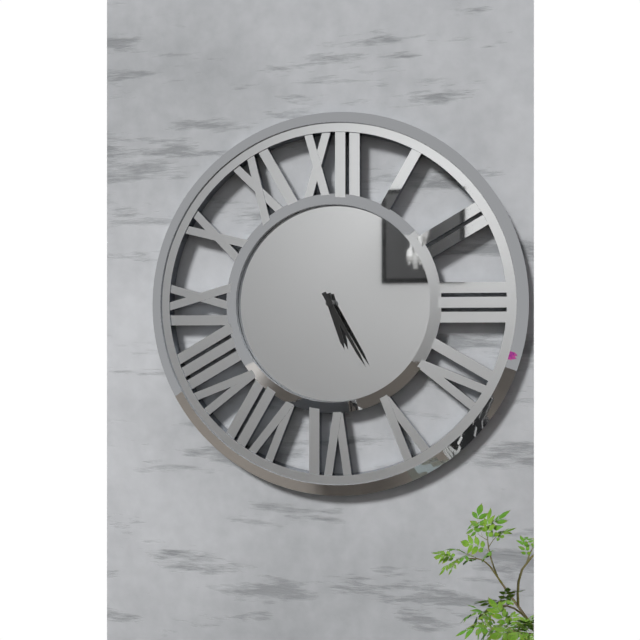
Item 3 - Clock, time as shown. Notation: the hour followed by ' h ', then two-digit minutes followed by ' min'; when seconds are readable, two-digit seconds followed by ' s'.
5 h 25 min
